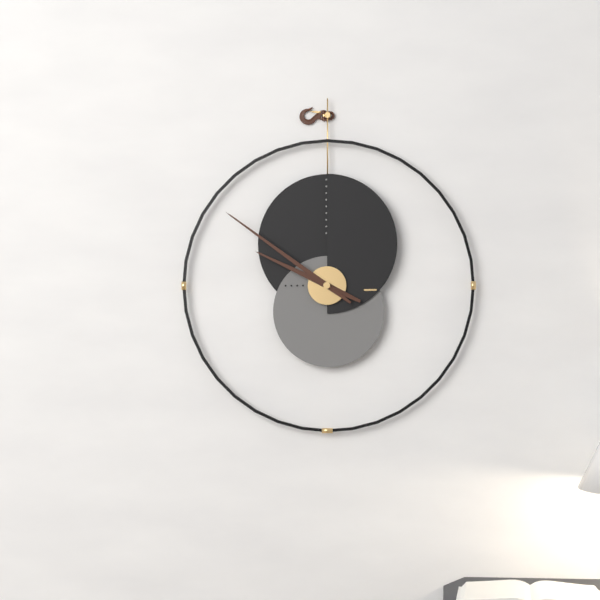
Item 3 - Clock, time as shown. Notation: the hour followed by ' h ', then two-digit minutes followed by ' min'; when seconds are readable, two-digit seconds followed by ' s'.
9 h 51 min
